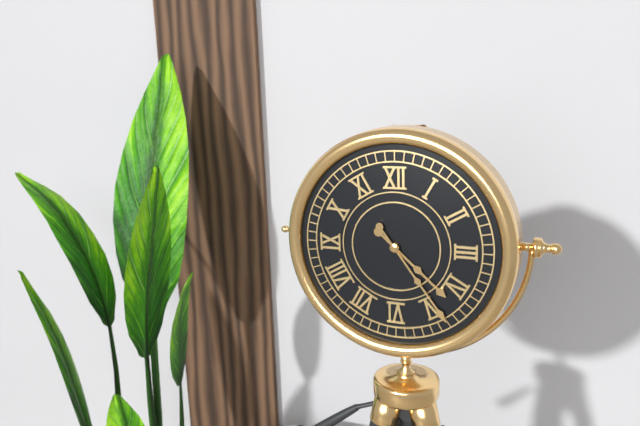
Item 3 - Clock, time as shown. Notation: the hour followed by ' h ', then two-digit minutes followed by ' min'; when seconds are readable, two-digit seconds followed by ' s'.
4 h 24 min
